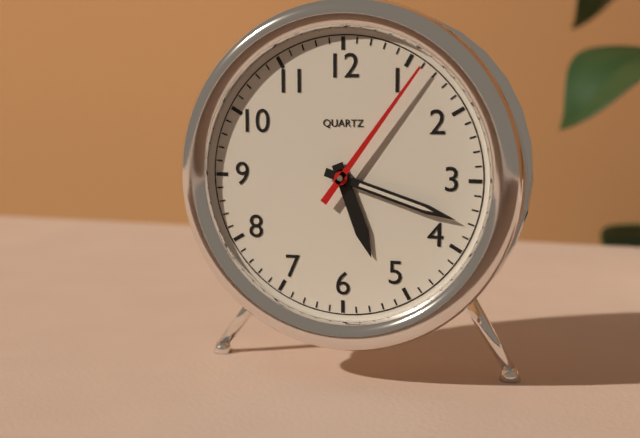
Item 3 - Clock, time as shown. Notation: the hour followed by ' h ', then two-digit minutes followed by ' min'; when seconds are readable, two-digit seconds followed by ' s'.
5 h 18 min 06 s
